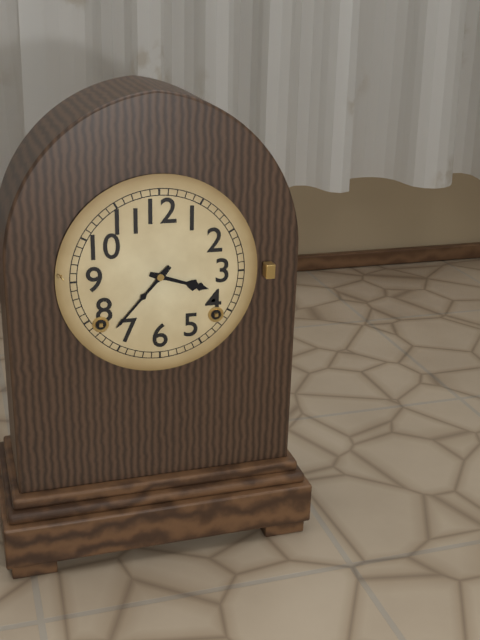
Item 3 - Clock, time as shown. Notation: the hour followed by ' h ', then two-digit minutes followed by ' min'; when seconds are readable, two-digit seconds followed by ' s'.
3 h 37 min
